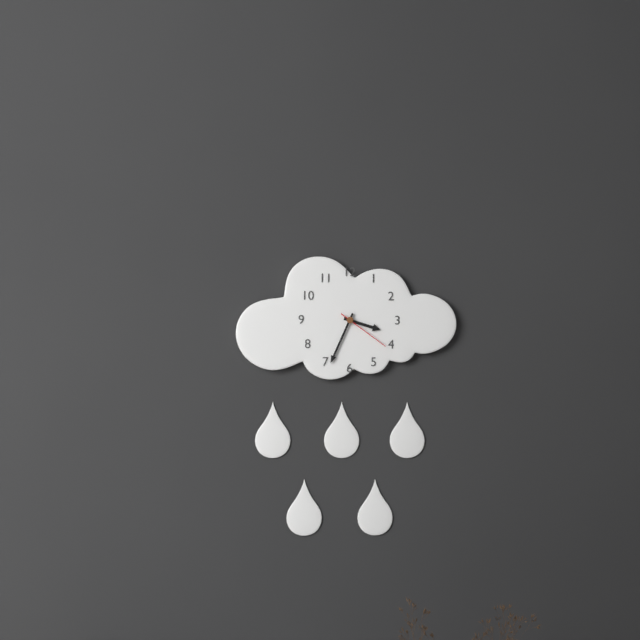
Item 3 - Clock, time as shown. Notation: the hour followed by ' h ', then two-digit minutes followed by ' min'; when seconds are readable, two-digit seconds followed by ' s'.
3 h 34 min 21 s
